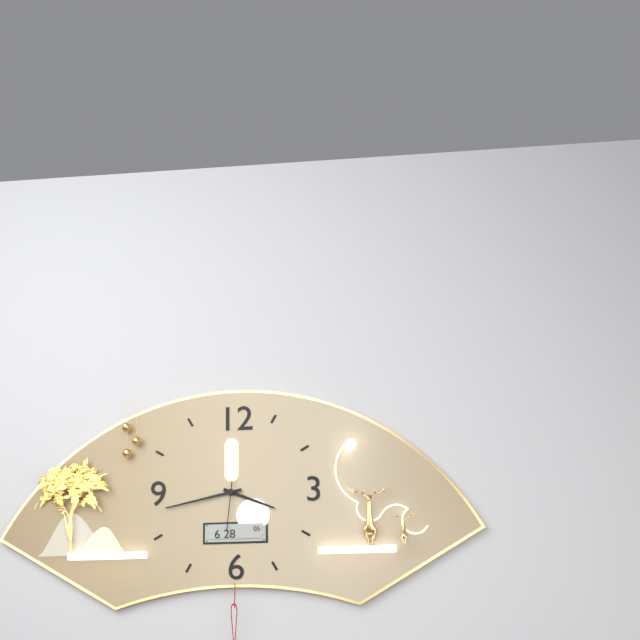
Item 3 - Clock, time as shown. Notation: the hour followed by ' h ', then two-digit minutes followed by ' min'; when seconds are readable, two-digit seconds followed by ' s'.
3 h 43 min 31 s
